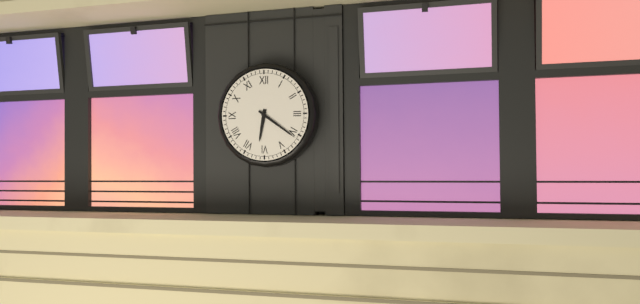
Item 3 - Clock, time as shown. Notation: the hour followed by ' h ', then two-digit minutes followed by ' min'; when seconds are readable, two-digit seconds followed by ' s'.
6 h 21 min
